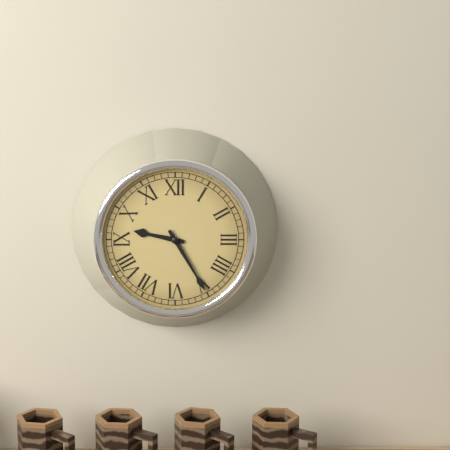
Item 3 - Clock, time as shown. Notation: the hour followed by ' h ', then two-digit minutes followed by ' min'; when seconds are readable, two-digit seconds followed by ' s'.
9 h 25 min
